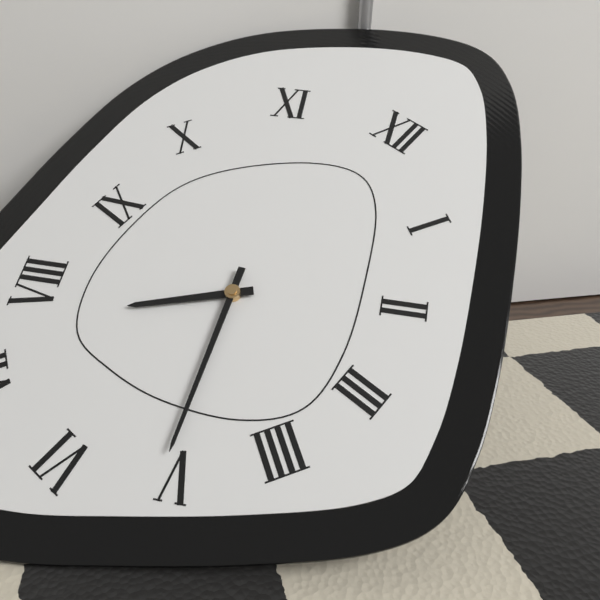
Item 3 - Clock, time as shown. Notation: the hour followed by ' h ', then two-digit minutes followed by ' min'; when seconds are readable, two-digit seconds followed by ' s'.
7 h 26 min
